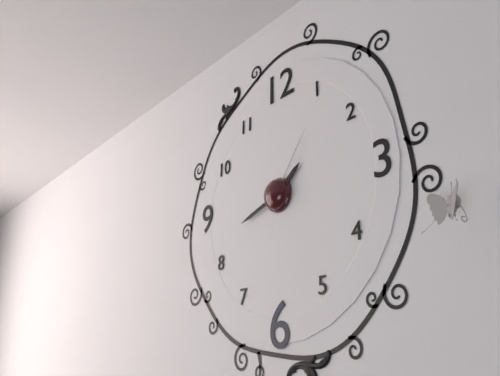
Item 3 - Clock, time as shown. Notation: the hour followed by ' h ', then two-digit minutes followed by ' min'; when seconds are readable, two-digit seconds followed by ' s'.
1 h 42 min 06 s
